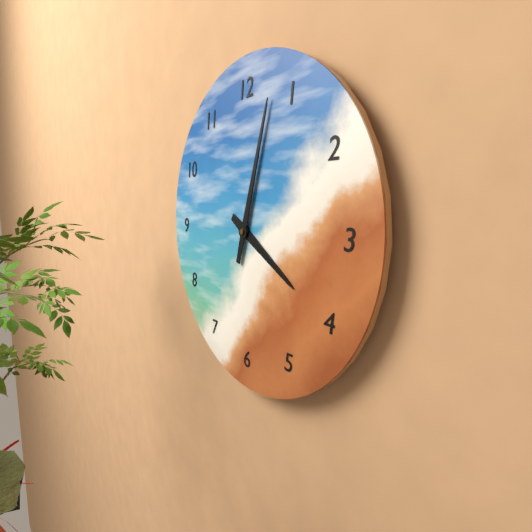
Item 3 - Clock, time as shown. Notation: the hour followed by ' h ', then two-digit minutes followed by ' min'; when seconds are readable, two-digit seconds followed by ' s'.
4 h 03 min
